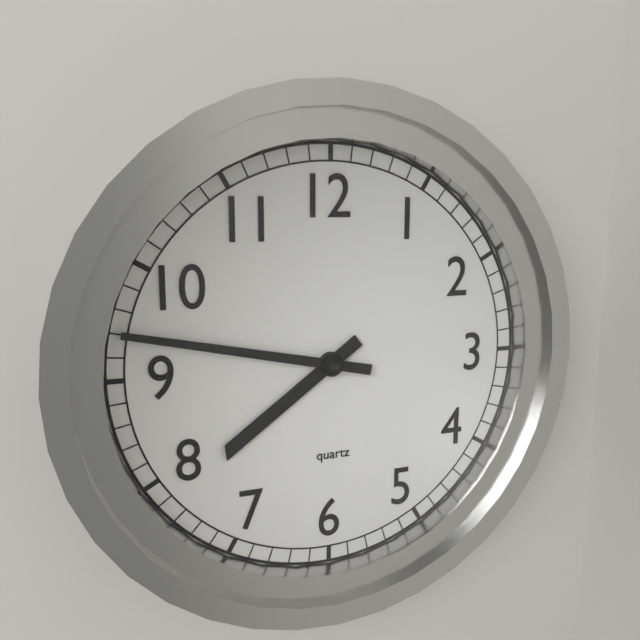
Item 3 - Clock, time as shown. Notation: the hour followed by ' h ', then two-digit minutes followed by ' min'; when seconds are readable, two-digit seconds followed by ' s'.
7 h 47 min
